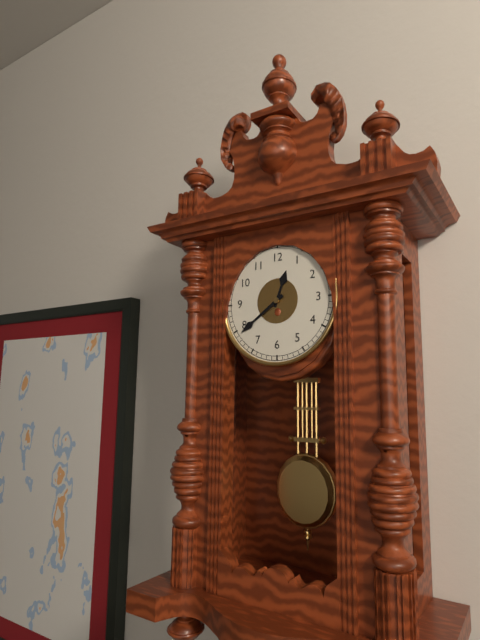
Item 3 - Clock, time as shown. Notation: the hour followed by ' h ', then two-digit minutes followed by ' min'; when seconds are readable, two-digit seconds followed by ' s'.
12 h 39 min
